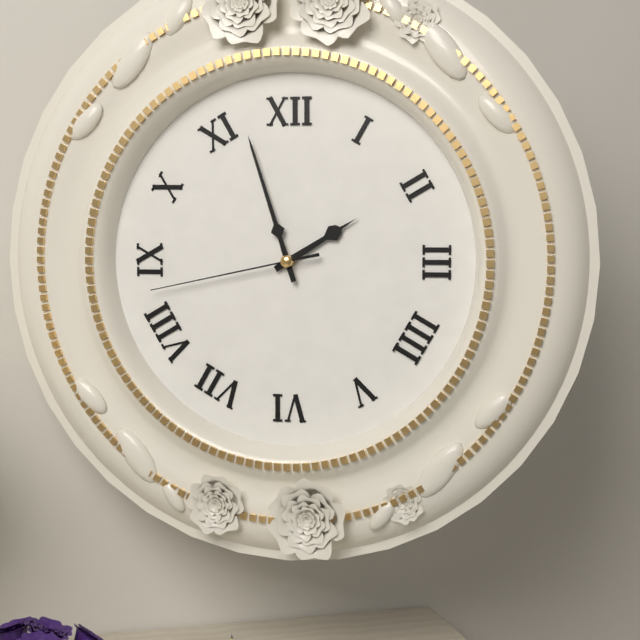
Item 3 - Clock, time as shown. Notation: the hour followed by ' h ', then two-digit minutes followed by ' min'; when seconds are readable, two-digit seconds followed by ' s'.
1 h 57 min 43 s
